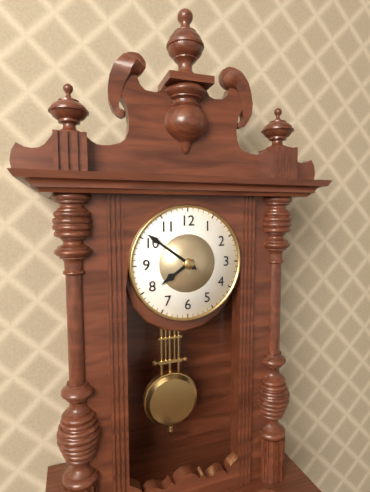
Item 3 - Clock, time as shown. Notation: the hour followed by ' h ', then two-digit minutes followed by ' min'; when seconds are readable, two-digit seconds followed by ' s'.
7 h 51 min
